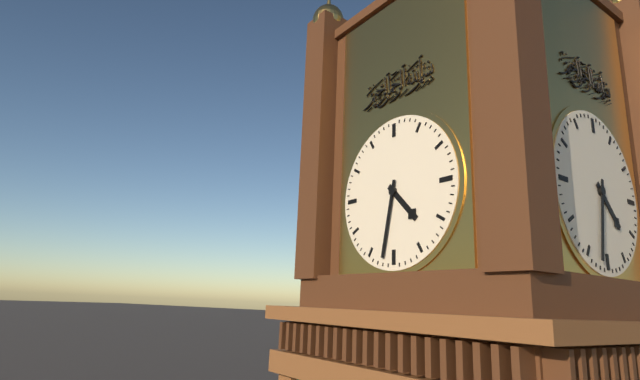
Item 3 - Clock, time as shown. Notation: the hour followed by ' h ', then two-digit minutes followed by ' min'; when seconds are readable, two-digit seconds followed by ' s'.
4 h 32 min
